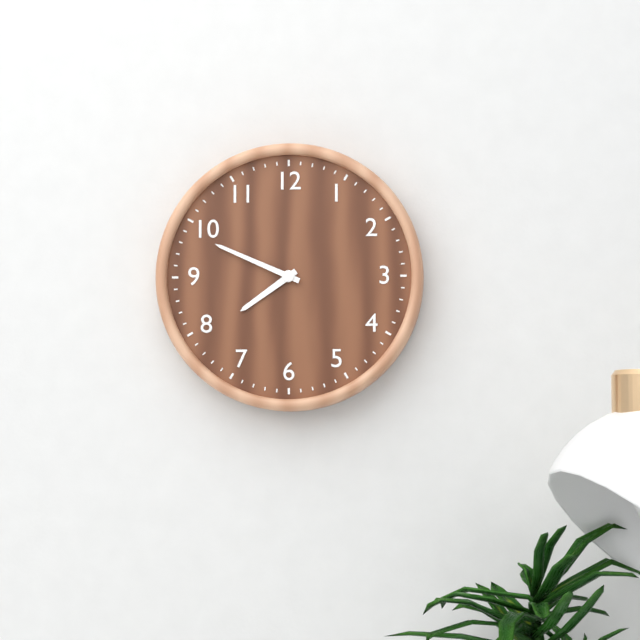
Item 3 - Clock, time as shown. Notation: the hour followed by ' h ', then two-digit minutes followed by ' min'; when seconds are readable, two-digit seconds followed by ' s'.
7 h 49 min
